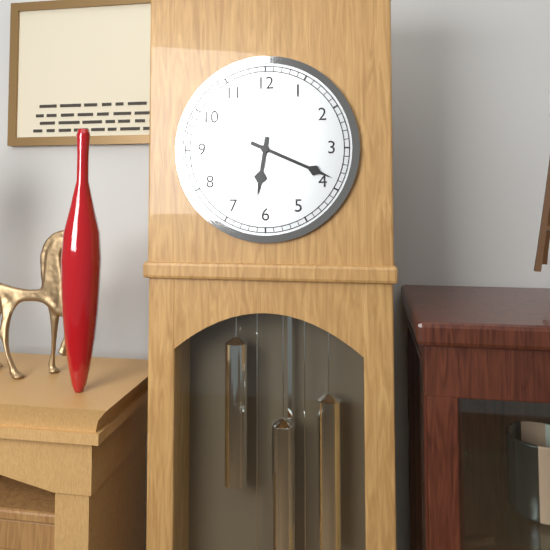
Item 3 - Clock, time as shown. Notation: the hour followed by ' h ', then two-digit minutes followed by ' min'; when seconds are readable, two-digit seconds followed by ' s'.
6 h 19 min
